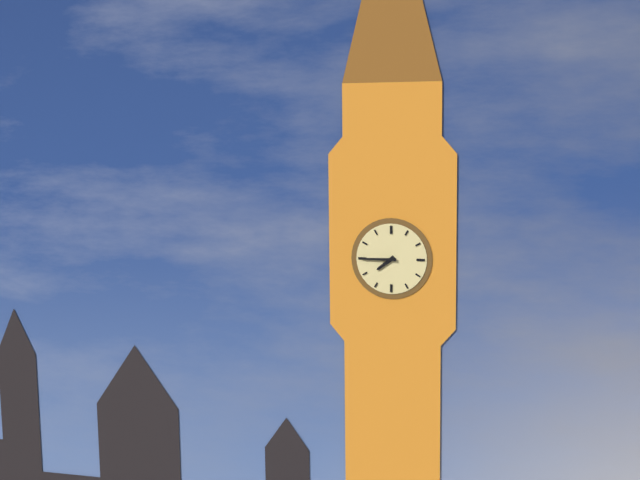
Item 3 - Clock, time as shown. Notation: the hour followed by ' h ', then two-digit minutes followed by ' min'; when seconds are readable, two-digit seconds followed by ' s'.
7 h 45 min
